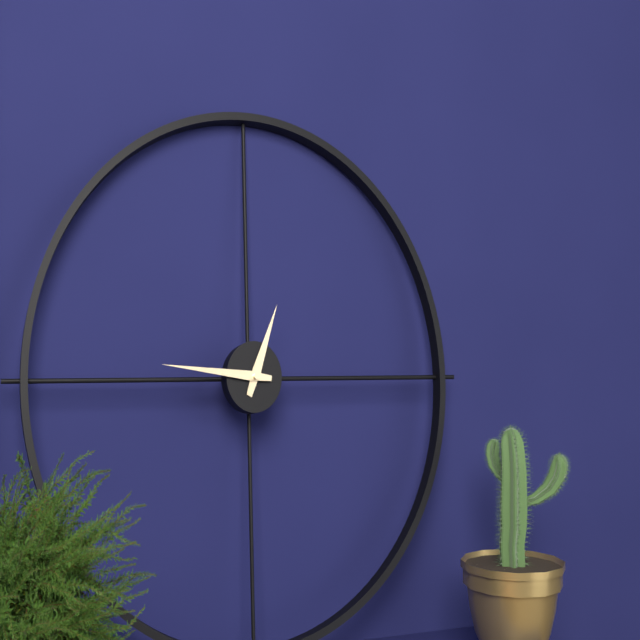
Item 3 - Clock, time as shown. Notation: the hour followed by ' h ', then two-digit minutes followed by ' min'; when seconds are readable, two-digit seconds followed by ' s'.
12 h 46 min
